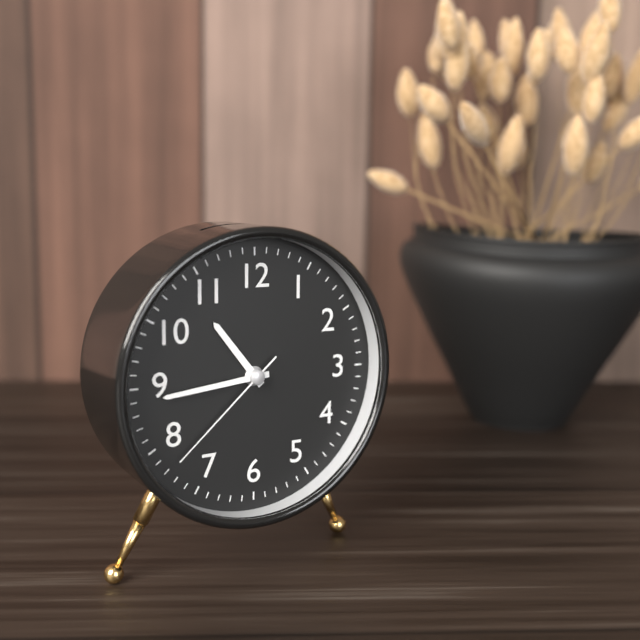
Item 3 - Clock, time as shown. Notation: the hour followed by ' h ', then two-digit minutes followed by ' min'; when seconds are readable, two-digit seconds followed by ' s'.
10 h 44 min 38 s
